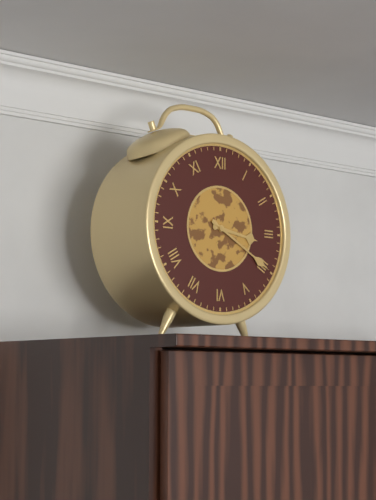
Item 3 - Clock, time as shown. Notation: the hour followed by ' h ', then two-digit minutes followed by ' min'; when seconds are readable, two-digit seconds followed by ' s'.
3 h 20 min
